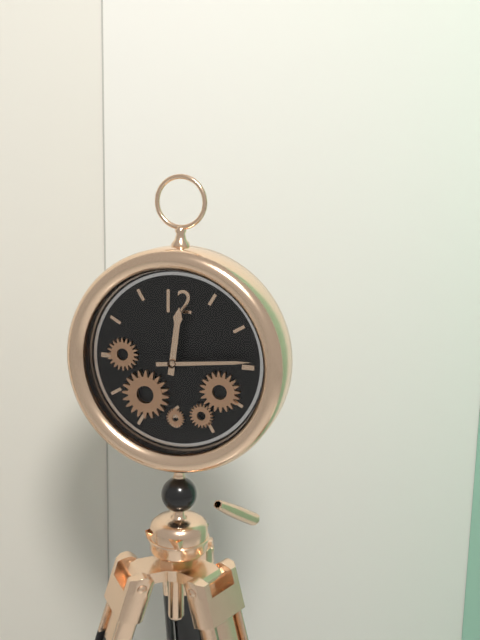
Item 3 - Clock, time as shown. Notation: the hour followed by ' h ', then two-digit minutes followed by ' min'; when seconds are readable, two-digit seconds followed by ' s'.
12 h 14 min
